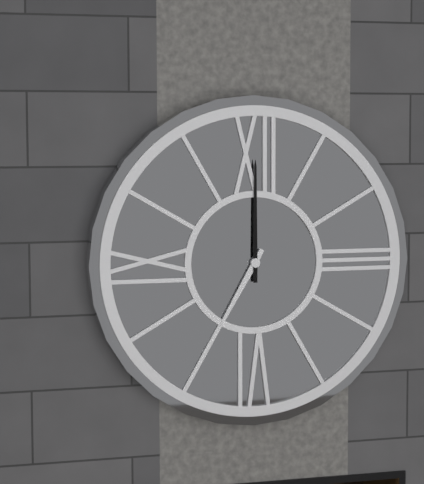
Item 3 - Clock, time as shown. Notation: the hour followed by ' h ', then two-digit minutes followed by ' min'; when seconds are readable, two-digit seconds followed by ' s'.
7 h 00 min
